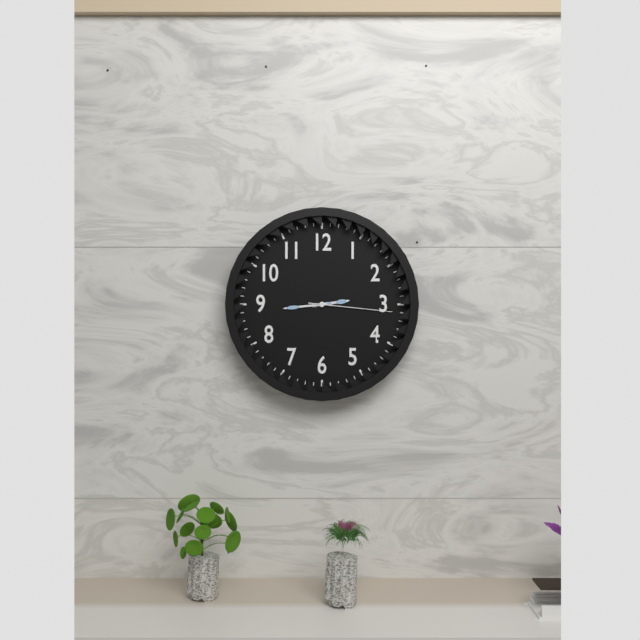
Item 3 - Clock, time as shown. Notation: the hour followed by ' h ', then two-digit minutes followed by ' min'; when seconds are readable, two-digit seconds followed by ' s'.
2 h 44 min 16 s
